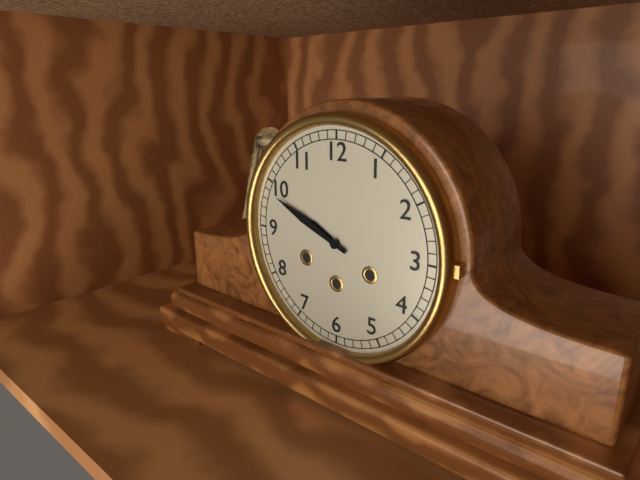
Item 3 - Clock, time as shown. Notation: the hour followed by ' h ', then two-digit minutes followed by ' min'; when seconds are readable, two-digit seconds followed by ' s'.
9 h 49 min
